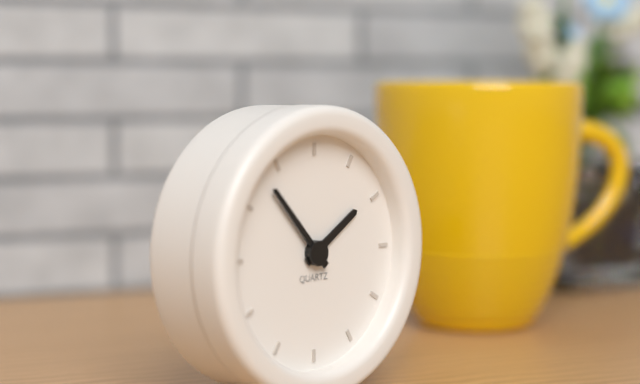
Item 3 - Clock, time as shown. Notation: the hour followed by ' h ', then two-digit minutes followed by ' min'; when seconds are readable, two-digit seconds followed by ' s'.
1 h 53 min
